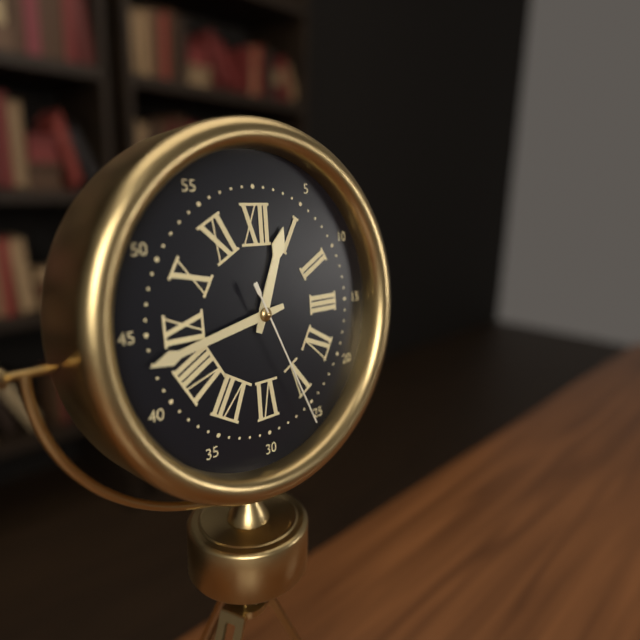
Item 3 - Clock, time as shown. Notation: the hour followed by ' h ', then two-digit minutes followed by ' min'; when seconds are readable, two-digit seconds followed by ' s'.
12 h 43 min 26 s
